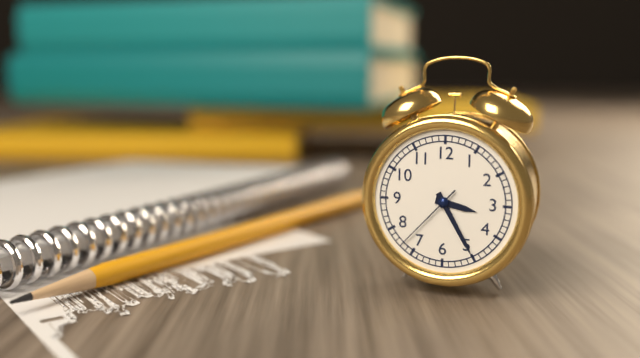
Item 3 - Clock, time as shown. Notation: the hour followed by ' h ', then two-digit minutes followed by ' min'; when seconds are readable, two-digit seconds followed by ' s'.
3 h 25 min 37 s
